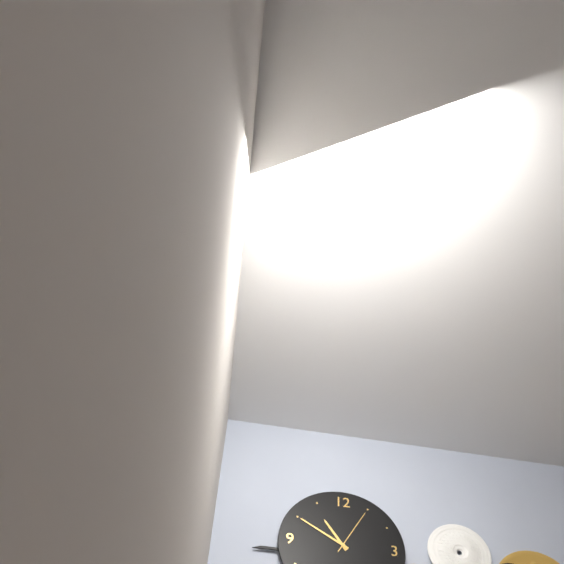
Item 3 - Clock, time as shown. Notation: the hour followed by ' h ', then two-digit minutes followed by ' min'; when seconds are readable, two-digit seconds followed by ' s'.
10 h 50 min
